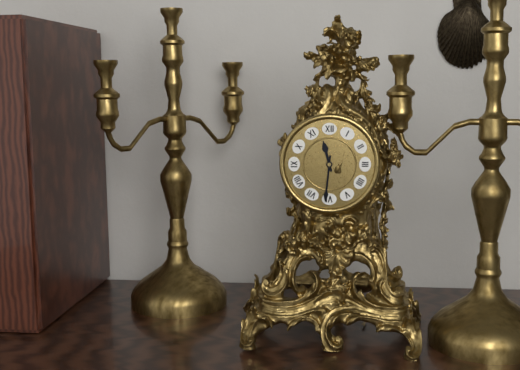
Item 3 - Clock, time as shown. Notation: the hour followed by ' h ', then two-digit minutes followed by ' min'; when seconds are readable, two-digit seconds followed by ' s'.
11 h 31 min
